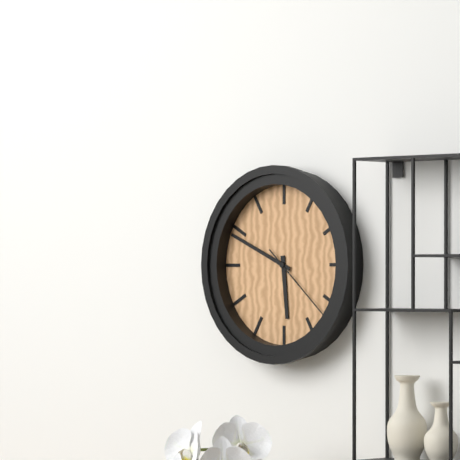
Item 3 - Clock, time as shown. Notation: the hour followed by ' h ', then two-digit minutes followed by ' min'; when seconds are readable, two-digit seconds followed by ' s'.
5 h 49 min 22 s
